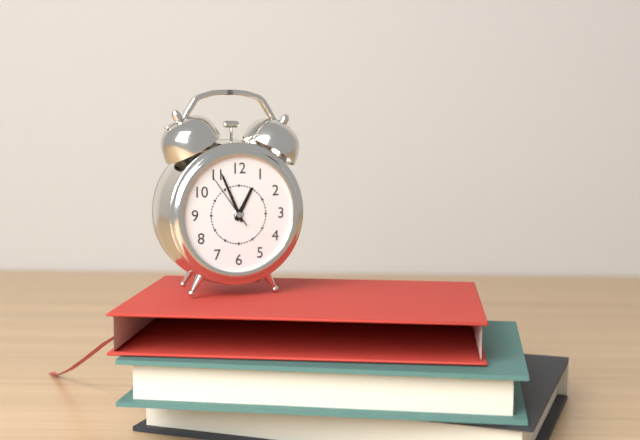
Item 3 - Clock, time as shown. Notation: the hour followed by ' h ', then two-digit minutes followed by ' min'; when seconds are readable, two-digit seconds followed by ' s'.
12 h 56 min 54 s
